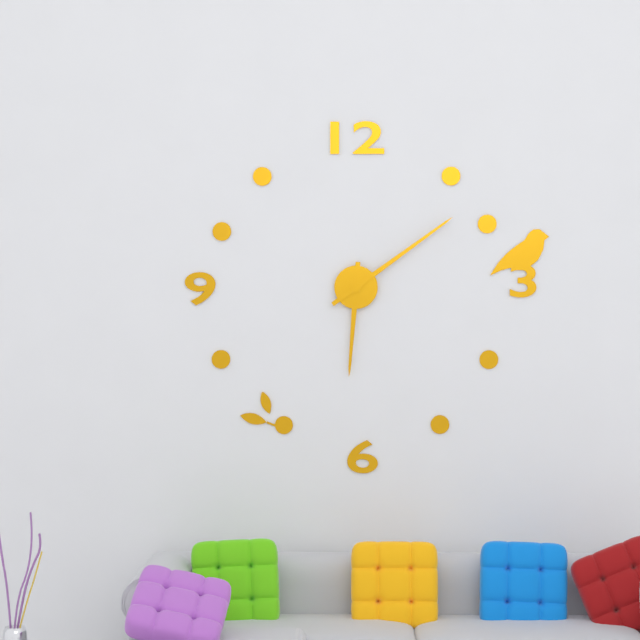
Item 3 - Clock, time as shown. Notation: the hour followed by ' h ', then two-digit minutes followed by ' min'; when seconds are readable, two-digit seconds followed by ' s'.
6 h 09 min
